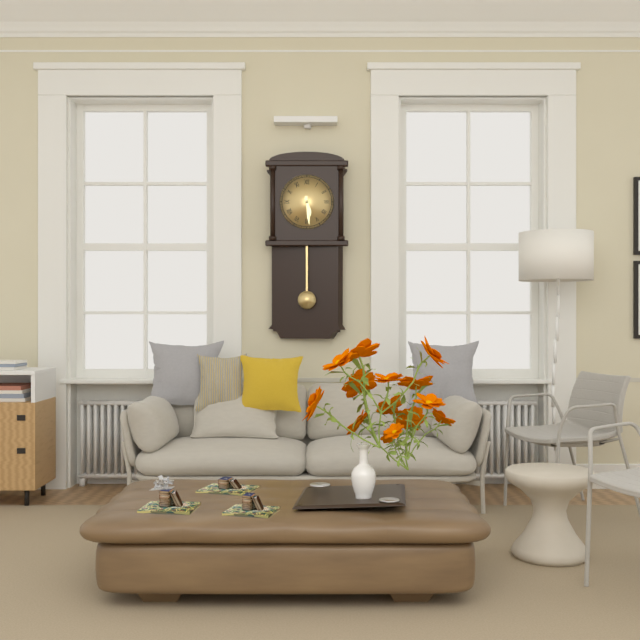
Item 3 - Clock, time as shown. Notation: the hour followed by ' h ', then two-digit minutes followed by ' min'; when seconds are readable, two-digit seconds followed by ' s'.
5 h 29 min
